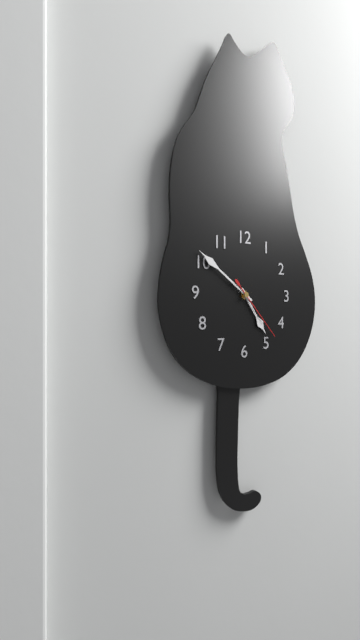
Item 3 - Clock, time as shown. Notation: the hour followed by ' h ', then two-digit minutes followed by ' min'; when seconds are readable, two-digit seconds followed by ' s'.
4 h 51 min 23 s
